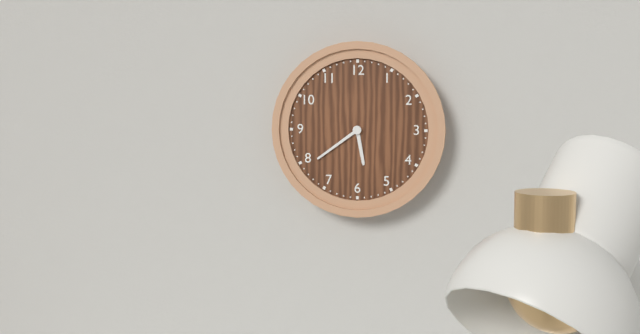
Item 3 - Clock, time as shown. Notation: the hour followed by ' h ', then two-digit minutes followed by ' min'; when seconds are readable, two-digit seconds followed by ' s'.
5 h 39 min
